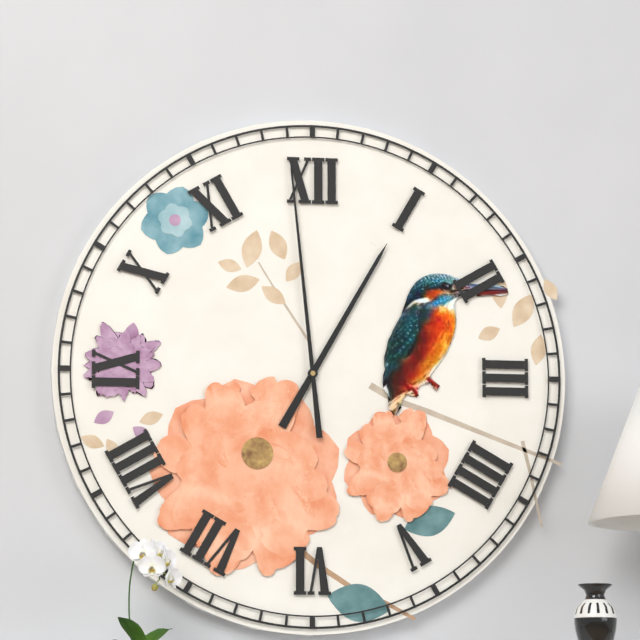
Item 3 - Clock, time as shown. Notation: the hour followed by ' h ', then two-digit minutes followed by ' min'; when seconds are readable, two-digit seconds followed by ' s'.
12 h 59 min
